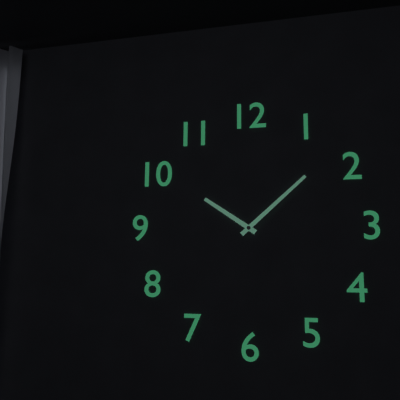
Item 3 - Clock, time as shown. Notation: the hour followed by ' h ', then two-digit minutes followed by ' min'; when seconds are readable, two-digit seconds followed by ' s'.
10 h 08 min
